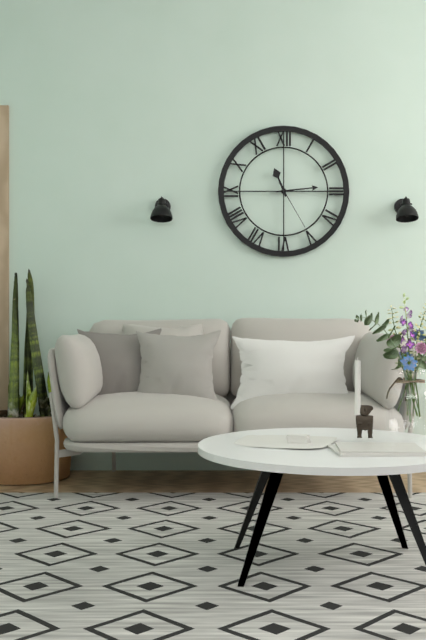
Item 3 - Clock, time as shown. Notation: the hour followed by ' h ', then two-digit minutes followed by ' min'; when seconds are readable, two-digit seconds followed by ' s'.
11 h 14 min 25 s
